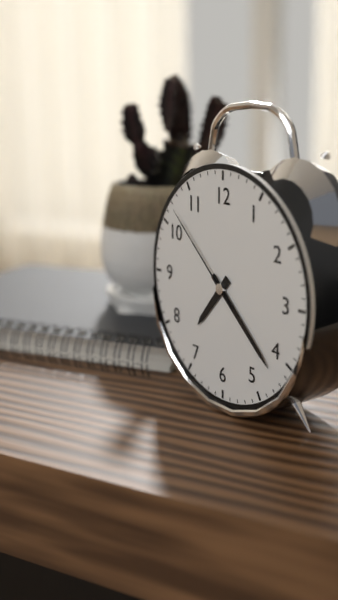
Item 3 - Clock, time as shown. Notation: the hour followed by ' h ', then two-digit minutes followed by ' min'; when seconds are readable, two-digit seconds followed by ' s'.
7 h 22 min 52 s
